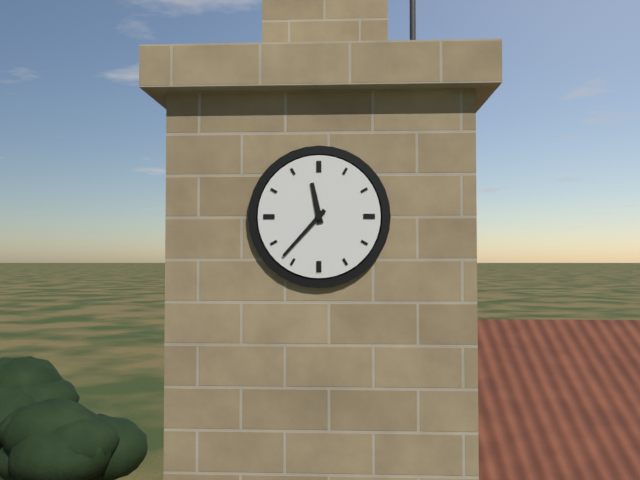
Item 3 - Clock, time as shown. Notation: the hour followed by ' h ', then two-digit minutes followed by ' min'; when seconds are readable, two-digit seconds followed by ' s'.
11 h 37 min
